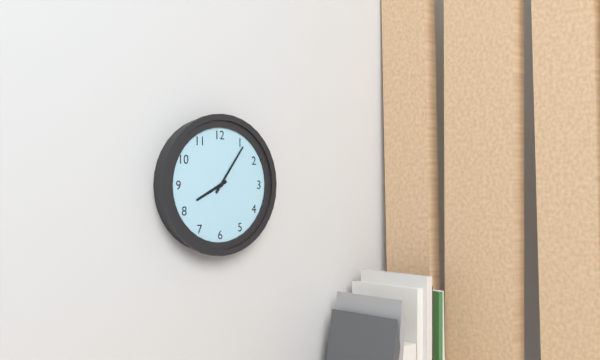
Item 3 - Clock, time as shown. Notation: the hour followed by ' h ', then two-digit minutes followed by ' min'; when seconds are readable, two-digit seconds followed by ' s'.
8 h 06 min
